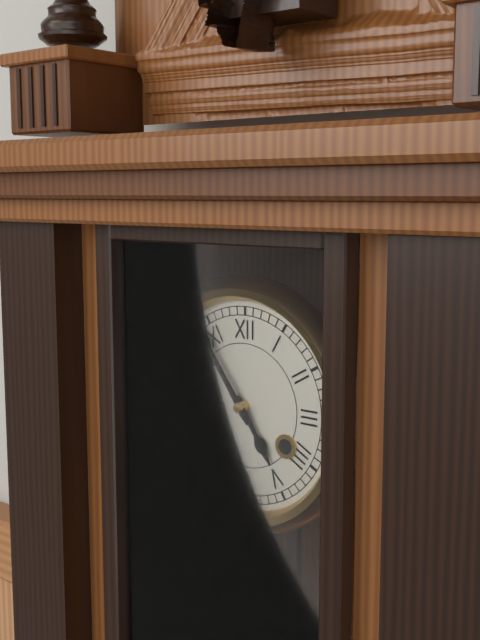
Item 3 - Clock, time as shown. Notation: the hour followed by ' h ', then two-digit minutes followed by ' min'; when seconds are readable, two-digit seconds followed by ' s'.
4 h 54 min
